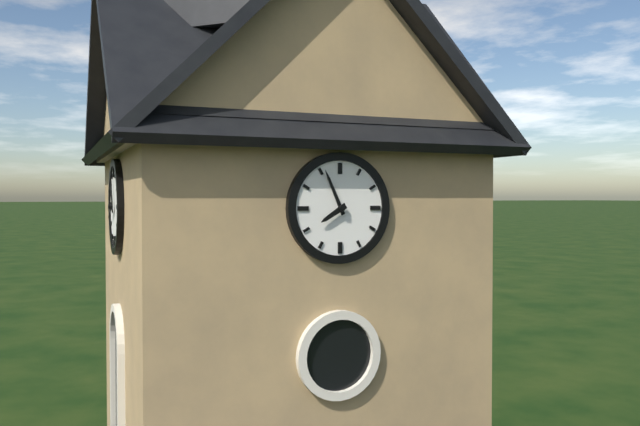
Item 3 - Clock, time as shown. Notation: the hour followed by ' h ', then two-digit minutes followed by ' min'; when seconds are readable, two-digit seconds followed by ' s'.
7 h 56 min
